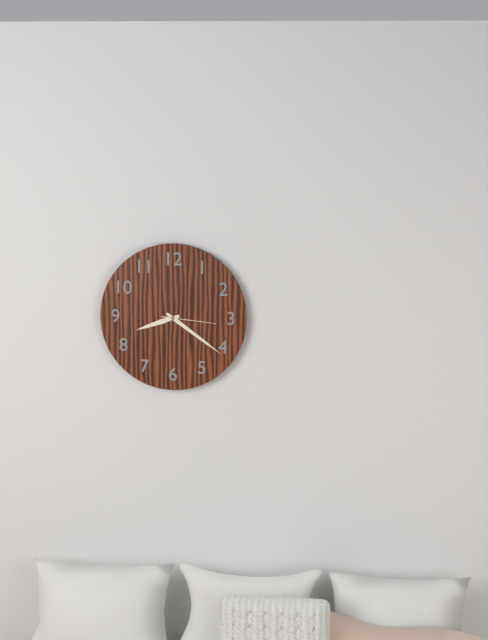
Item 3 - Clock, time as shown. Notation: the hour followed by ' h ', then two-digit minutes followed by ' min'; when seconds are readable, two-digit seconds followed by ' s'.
8 h 21 min 16 s
